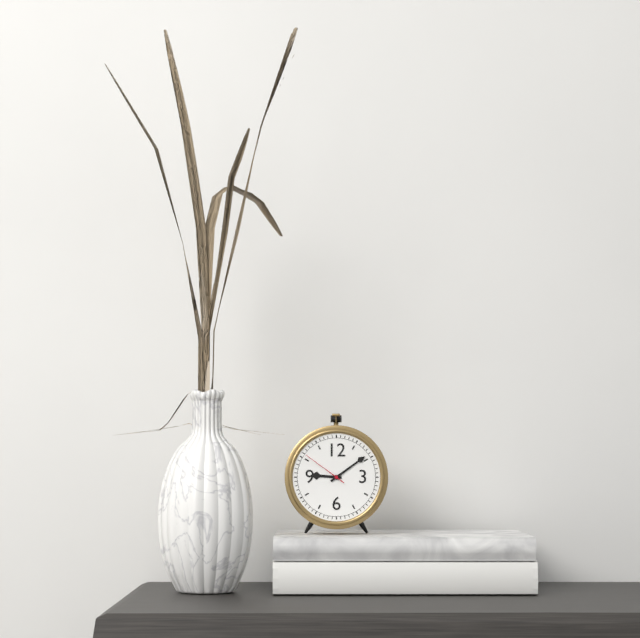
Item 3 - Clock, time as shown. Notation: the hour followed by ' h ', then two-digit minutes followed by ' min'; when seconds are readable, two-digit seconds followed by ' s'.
9 h 09 min
